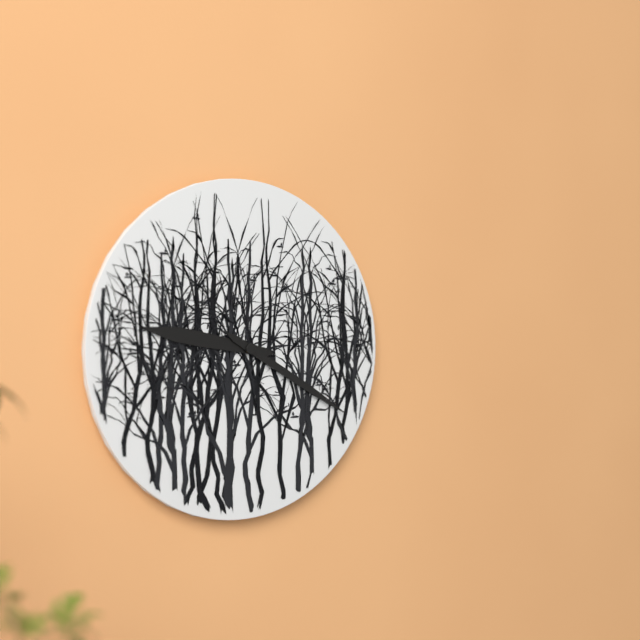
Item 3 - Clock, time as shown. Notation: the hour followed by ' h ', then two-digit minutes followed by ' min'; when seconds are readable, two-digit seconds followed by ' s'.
9 h 20 min
